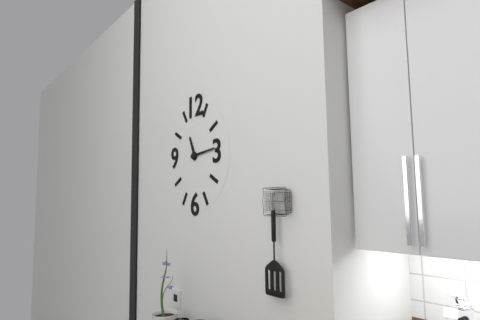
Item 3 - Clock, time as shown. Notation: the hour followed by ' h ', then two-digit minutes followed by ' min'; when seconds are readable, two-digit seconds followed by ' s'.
11 h 14 min
